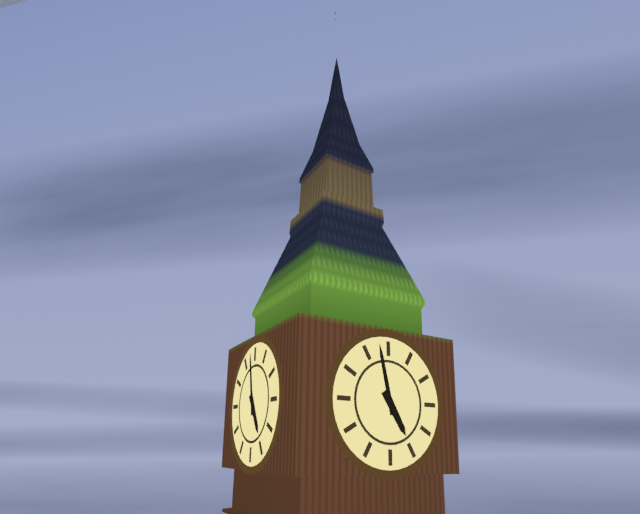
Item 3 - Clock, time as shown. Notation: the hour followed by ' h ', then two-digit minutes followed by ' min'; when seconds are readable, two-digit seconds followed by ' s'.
4 h 58 min
